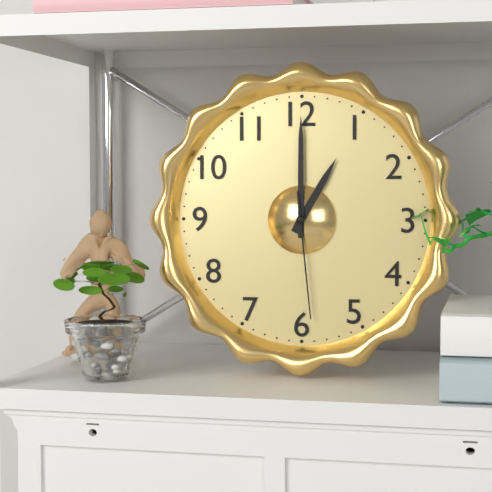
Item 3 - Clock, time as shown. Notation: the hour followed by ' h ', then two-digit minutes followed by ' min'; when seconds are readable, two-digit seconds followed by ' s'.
1 h 00 min 29 s
